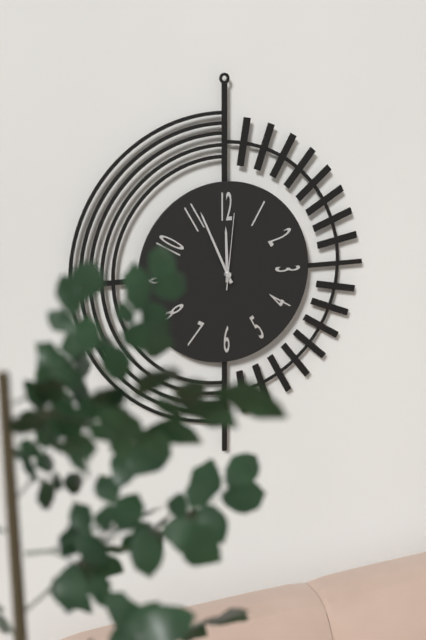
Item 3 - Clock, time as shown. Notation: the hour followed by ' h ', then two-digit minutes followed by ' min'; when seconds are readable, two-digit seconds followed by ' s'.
11 h 56 min 01 s
